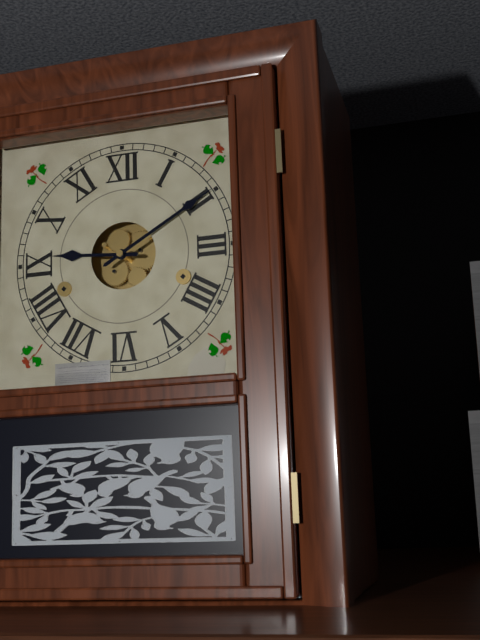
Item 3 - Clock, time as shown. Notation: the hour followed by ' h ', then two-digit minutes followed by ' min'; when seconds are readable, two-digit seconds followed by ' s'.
9 h 10 min
